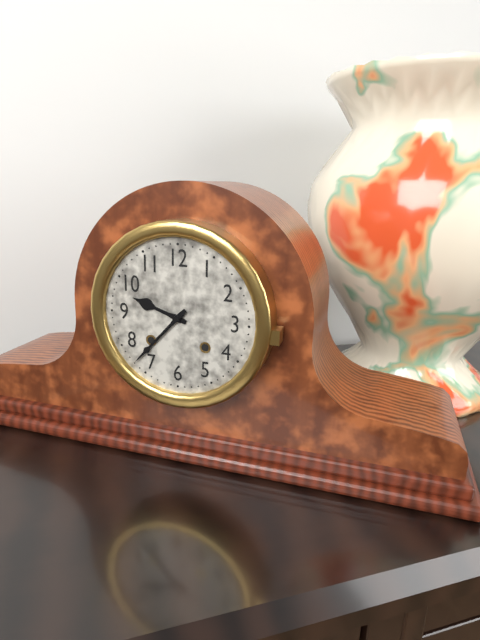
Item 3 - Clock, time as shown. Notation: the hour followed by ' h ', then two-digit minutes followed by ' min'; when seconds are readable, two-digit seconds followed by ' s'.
9 h 37 min
